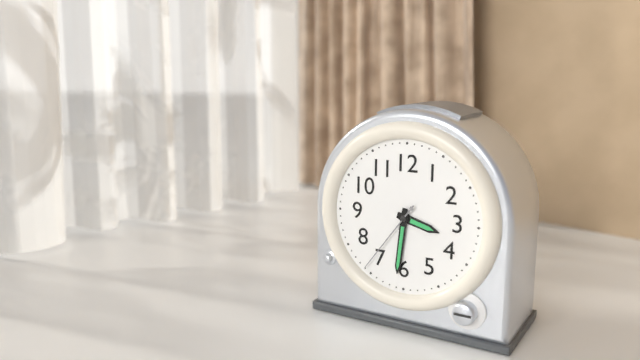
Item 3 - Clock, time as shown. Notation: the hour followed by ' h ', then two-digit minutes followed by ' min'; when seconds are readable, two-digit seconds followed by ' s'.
3 h 31 min 36 s
